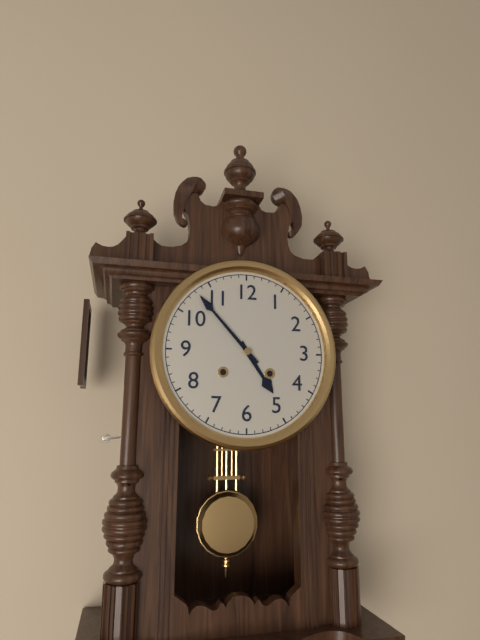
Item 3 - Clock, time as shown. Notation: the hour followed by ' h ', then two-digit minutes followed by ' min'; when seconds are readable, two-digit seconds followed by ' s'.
4 h 53 min
